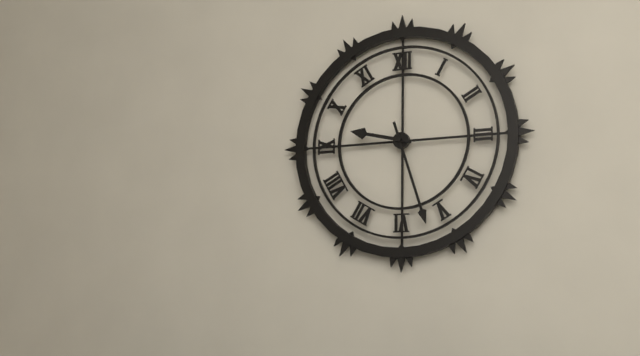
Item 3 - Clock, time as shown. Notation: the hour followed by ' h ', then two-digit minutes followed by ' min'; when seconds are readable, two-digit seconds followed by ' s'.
9 h 27 min
